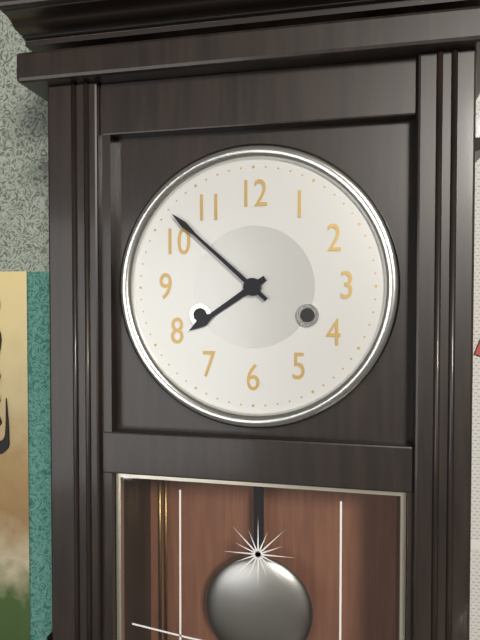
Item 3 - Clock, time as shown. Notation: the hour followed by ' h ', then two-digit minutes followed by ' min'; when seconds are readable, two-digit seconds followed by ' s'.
7 h 52 min
